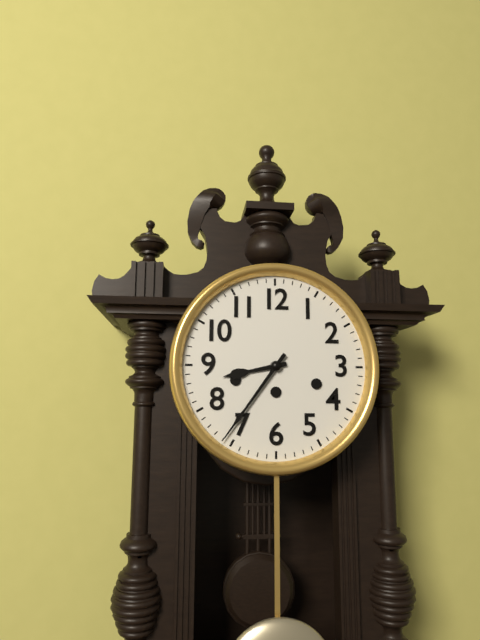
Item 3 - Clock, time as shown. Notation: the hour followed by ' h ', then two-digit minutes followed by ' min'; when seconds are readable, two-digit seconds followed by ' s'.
8 h 36 min
